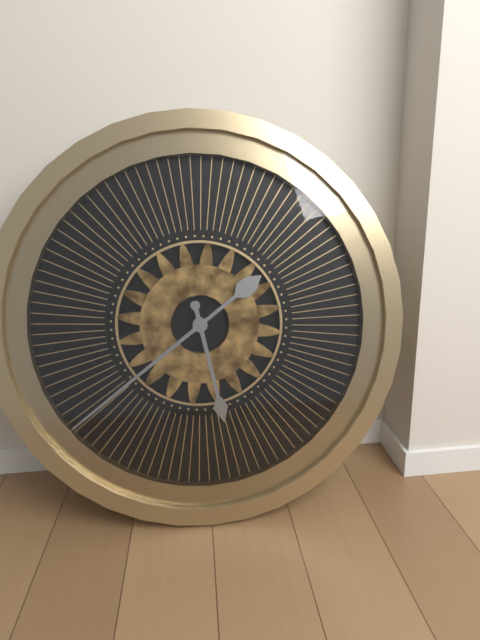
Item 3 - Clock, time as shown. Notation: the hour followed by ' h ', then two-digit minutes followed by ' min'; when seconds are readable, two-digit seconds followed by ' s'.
5 h 39 min
